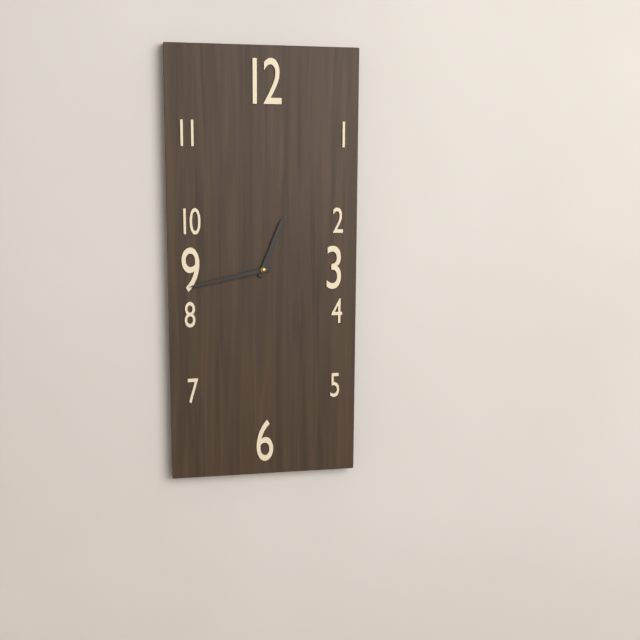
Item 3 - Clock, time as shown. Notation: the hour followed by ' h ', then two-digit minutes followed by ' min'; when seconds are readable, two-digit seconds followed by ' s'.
12 h 43 min
